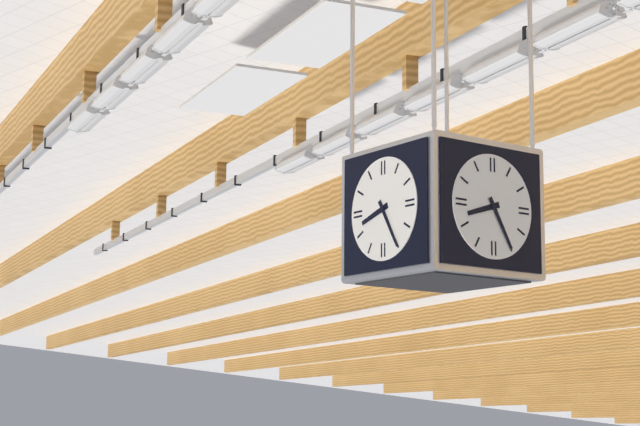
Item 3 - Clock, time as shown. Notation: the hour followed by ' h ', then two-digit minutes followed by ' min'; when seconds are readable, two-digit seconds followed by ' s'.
8 h 25 min
